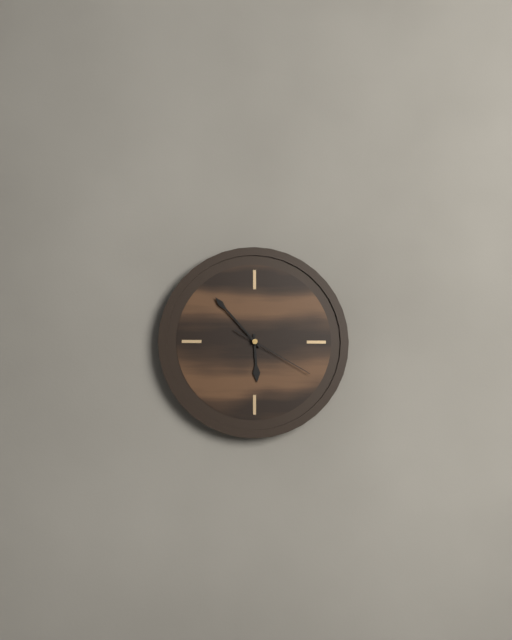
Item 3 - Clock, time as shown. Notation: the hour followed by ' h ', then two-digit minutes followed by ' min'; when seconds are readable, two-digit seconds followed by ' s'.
5 h 53 min 20 s
